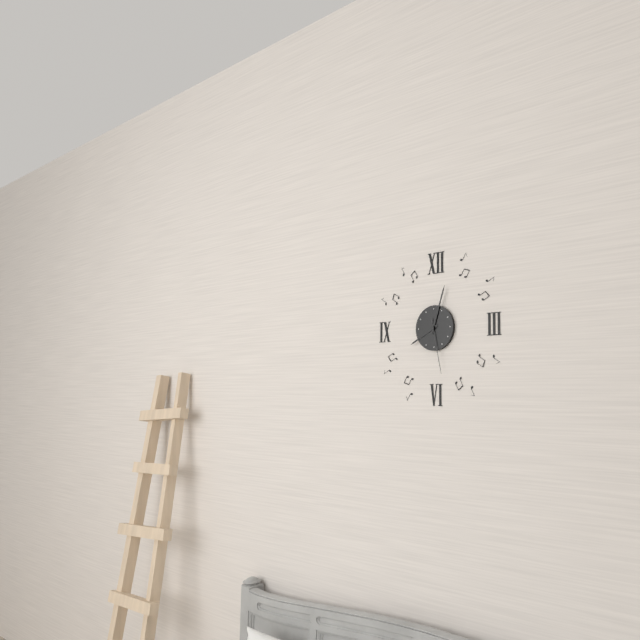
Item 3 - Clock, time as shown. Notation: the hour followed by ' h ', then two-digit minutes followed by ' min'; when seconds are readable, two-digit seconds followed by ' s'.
8 h 03 min 28 s
